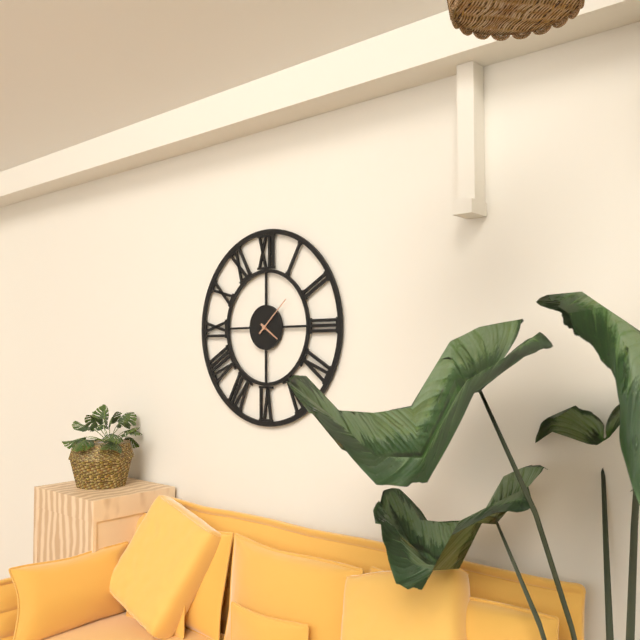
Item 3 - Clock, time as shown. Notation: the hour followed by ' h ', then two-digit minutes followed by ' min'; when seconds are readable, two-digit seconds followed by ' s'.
4 h 08 min
